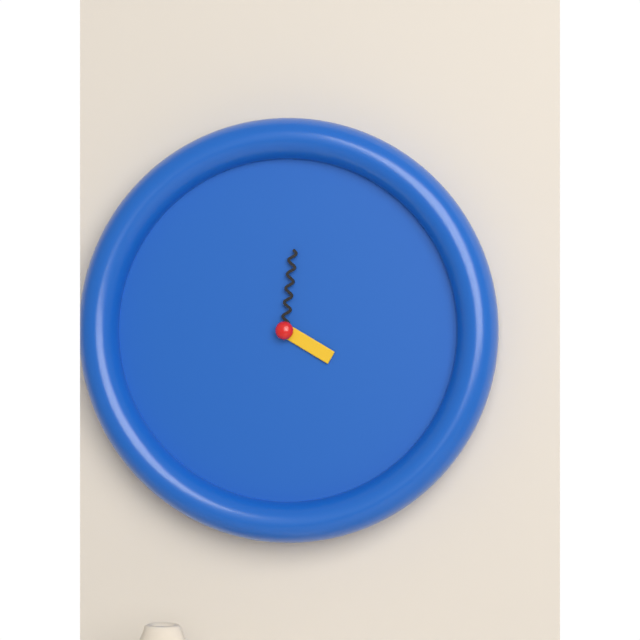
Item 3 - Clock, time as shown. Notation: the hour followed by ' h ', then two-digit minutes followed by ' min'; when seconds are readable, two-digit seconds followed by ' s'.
4 h 01 min
